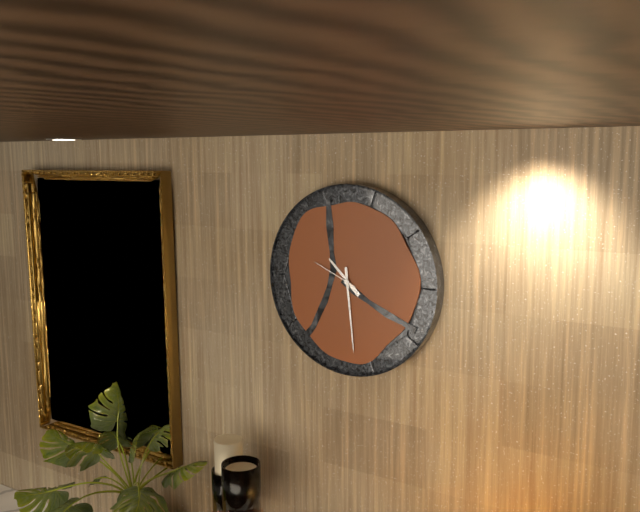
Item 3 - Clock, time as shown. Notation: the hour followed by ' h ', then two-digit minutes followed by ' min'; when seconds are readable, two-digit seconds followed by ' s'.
10 h 29 min
